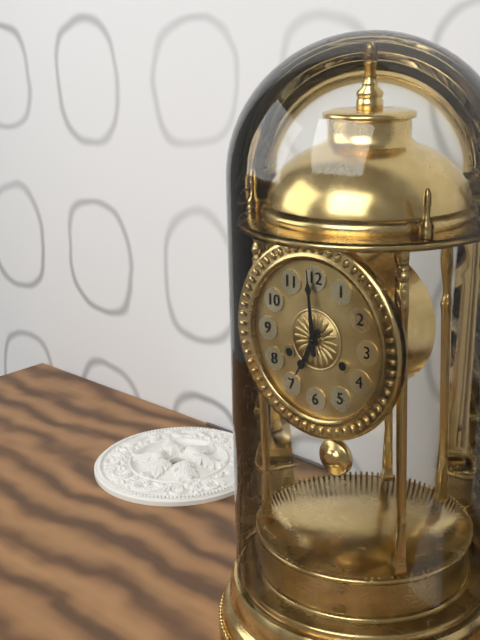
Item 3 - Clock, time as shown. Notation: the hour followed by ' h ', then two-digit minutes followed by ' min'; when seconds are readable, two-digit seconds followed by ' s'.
6 h 59 min
